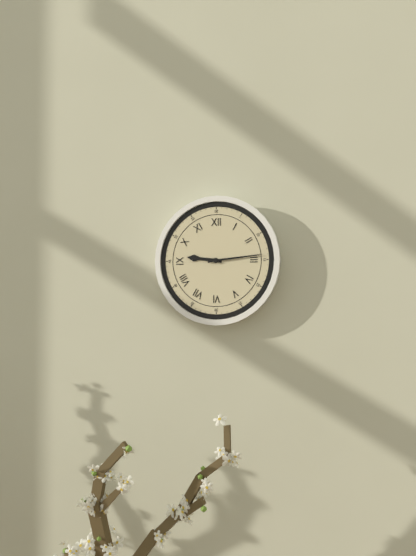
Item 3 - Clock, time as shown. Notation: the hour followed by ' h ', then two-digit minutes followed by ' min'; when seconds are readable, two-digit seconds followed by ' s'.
9 h 14 min
